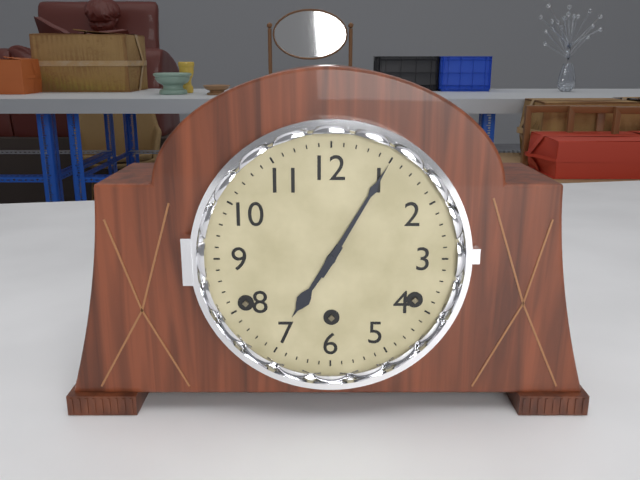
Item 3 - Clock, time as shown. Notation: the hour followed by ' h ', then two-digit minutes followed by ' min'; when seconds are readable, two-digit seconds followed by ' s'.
7 h 05 min
